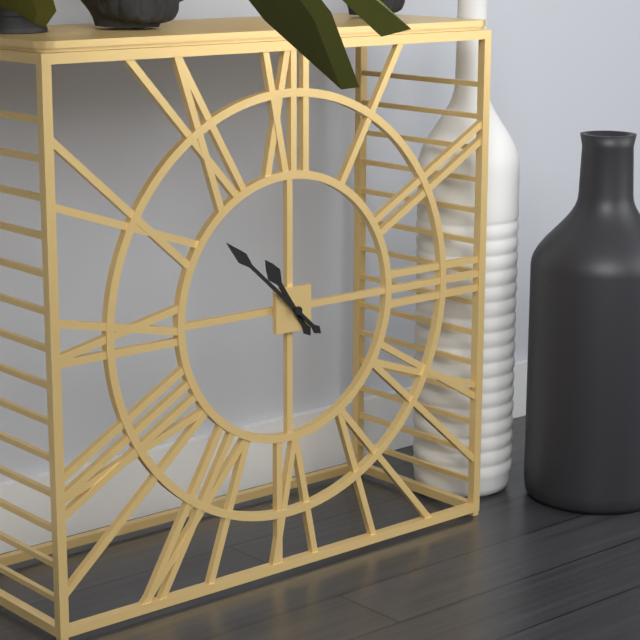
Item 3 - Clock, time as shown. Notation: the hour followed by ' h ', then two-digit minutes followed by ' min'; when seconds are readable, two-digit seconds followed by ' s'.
10 h 52 min
